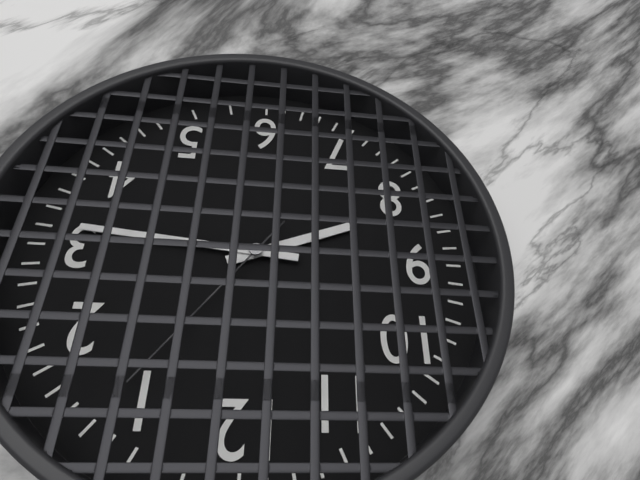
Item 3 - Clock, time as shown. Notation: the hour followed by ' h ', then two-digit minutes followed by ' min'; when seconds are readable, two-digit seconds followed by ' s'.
8 h 16 min 06 s
